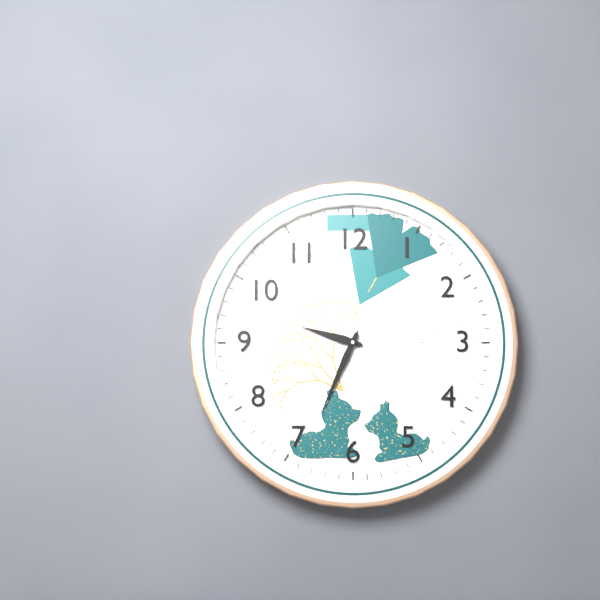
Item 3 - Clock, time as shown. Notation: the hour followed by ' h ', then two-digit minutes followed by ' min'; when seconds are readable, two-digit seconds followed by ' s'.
9 h 34 min
